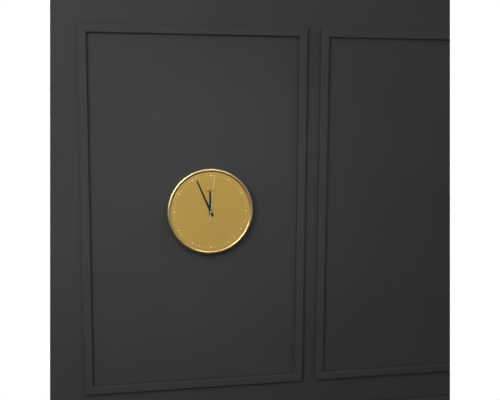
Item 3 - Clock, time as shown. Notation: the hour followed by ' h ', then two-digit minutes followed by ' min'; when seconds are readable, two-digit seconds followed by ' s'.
11 h 56 min
